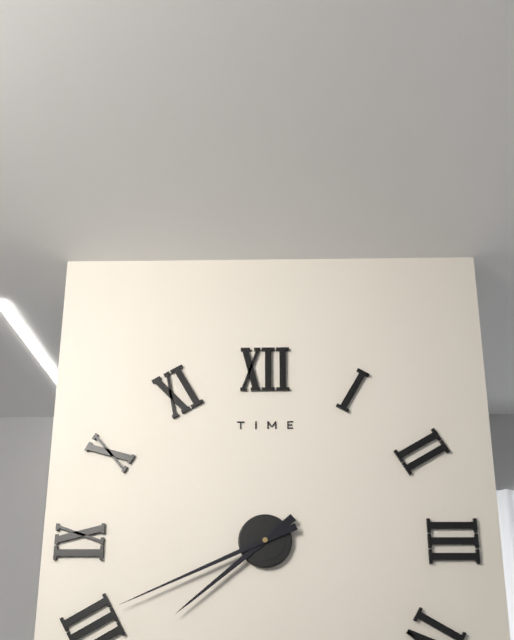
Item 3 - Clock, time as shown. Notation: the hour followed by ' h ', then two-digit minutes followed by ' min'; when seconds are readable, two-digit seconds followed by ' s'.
7 h 41 min
